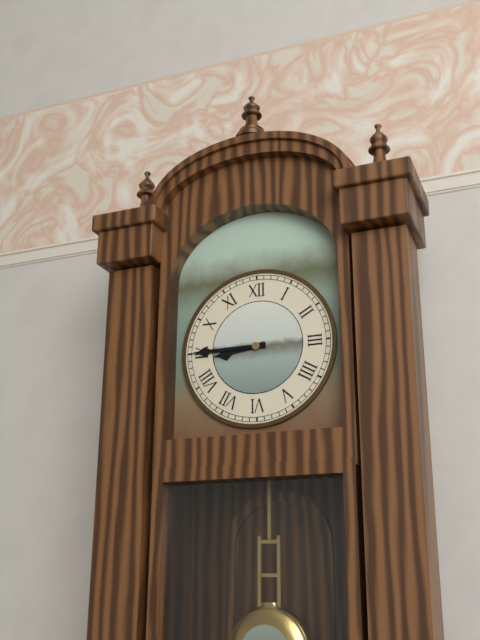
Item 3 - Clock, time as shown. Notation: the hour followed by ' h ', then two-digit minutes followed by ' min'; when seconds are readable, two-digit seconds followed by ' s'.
8 h 45 min
